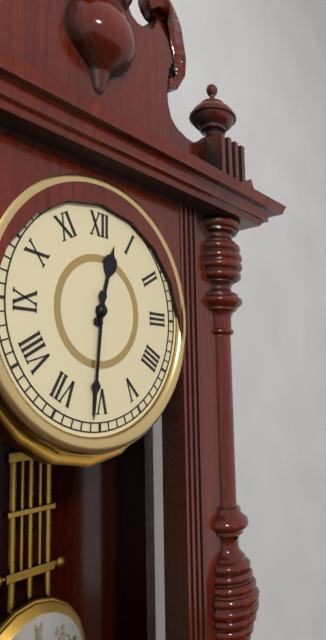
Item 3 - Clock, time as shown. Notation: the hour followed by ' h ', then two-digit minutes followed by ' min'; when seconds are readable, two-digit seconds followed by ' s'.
12 h 31 min
